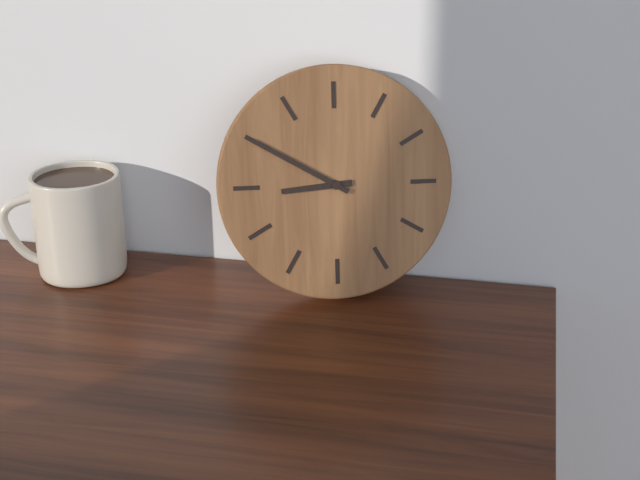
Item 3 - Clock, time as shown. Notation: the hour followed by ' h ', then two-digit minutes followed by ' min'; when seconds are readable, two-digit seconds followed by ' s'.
8 h 50 min
